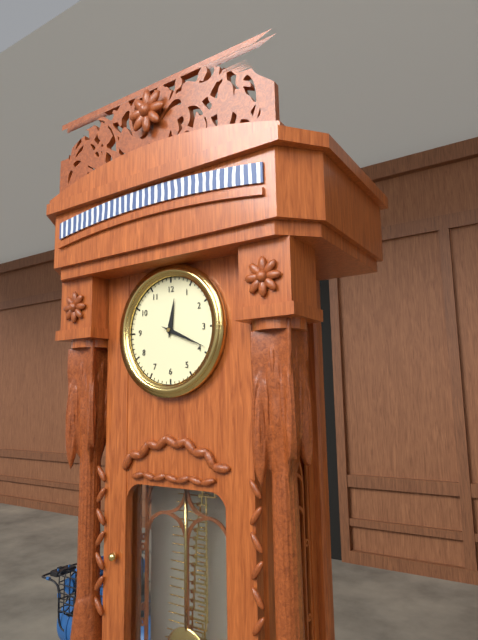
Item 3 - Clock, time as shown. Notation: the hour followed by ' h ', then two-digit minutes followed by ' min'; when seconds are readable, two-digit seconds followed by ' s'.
12 h 19 min
